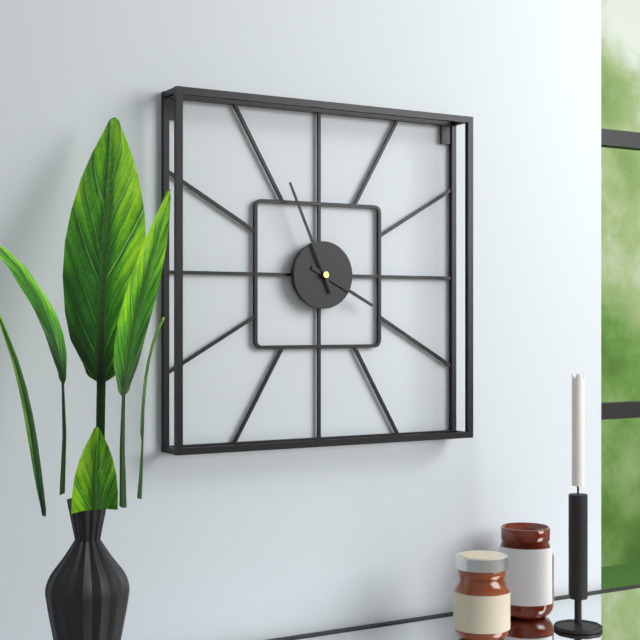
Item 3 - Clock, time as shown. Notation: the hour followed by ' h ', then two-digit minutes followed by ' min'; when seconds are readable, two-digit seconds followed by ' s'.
3 h 56 min
